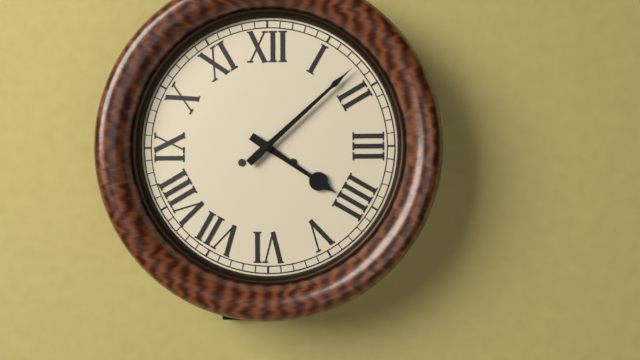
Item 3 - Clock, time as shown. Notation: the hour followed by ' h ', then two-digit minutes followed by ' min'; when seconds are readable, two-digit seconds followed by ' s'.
4 h 08 min
